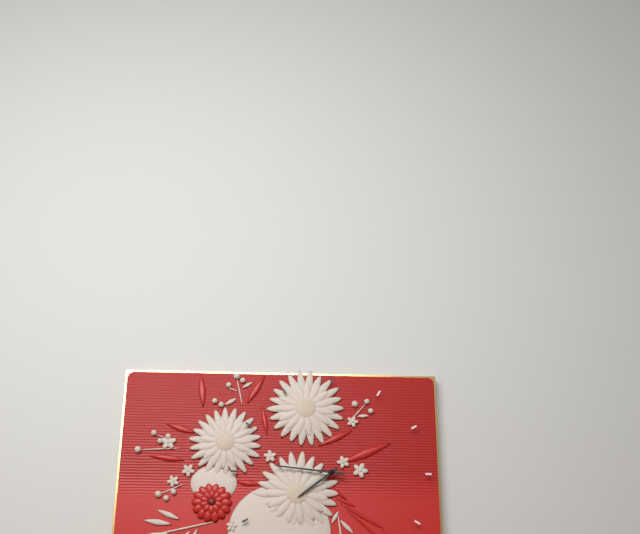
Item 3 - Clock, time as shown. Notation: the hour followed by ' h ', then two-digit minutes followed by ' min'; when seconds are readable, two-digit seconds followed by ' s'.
7 h 46 min
